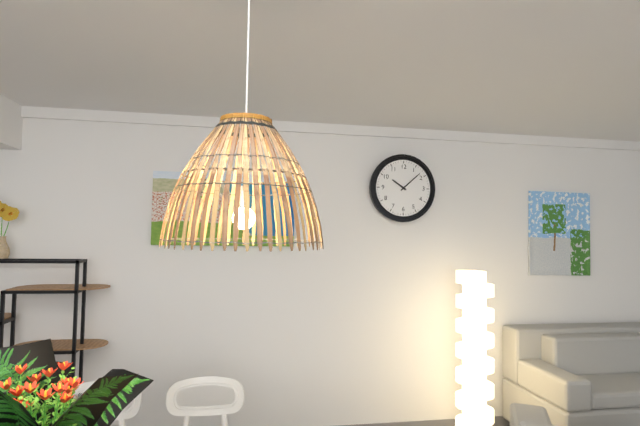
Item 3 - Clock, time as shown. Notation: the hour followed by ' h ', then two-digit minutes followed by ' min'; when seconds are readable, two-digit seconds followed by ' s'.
10 h 08 min
